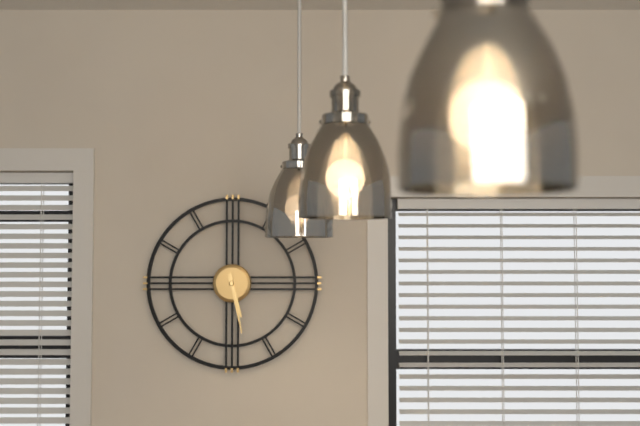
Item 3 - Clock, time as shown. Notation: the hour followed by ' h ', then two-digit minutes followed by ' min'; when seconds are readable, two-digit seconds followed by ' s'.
5 h 28 min
